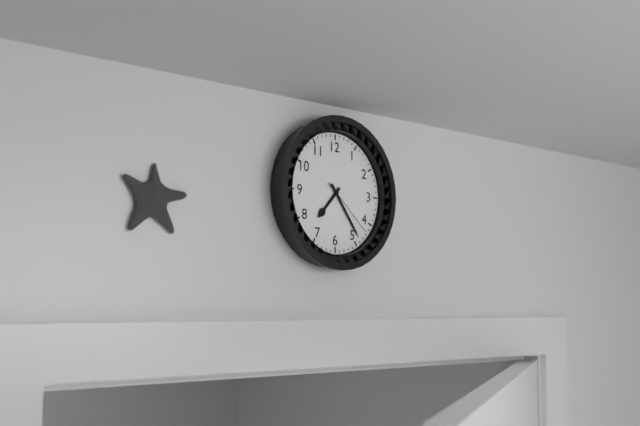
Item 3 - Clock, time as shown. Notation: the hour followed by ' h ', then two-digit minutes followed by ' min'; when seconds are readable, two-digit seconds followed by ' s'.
7 h 24 min 22 s
